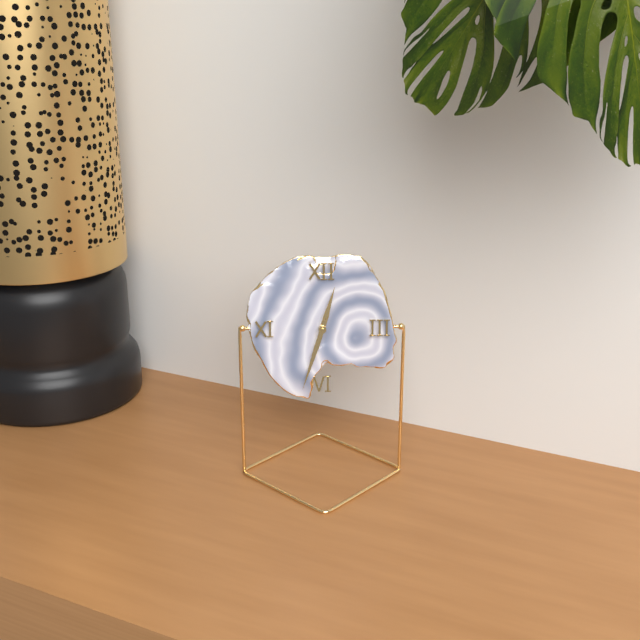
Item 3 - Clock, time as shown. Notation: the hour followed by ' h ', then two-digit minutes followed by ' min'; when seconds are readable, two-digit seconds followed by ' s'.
12 h 33 min
